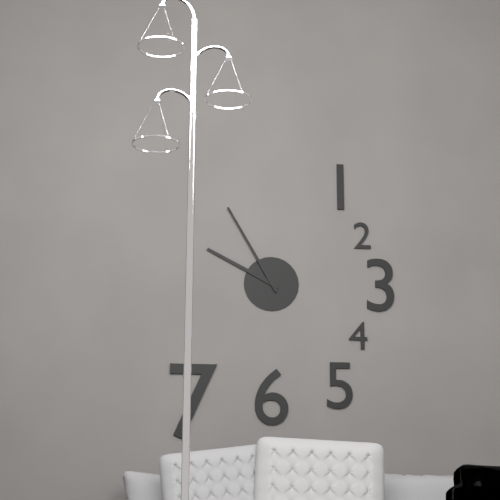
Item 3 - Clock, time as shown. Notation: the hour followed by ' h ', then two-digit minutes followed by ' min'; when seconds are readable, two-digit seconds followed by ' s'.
9 h 55 min
